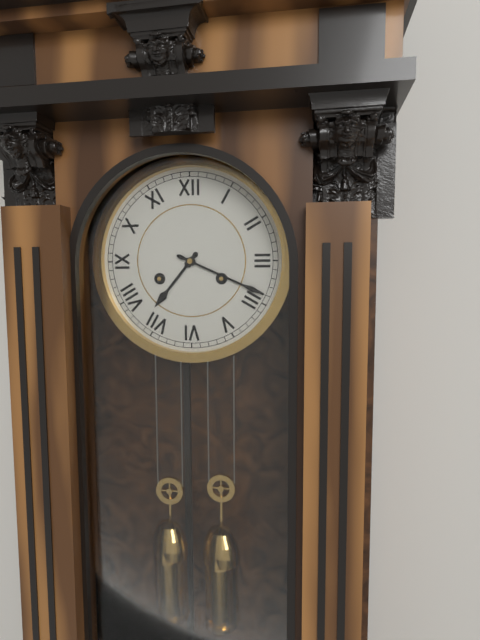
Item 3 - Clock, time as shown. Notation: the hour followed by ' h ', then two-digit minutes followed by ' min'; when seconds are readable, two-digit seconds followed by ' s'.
7 h 19 min
